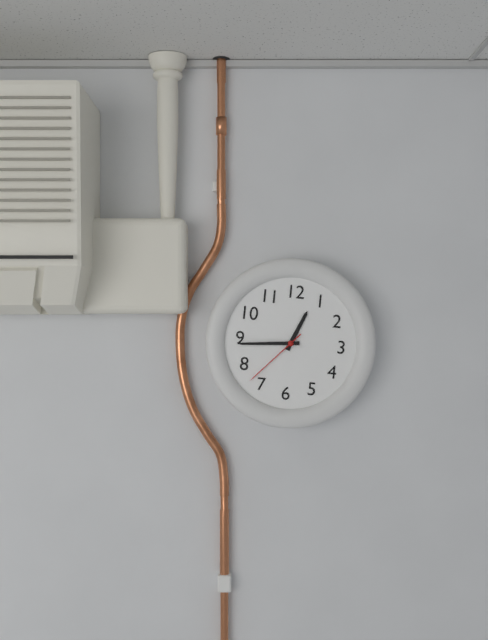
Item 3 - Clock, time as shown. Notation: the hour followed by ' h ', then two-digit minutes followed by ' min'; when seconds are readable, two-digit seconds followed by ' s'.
12 h 44 min 37 s
